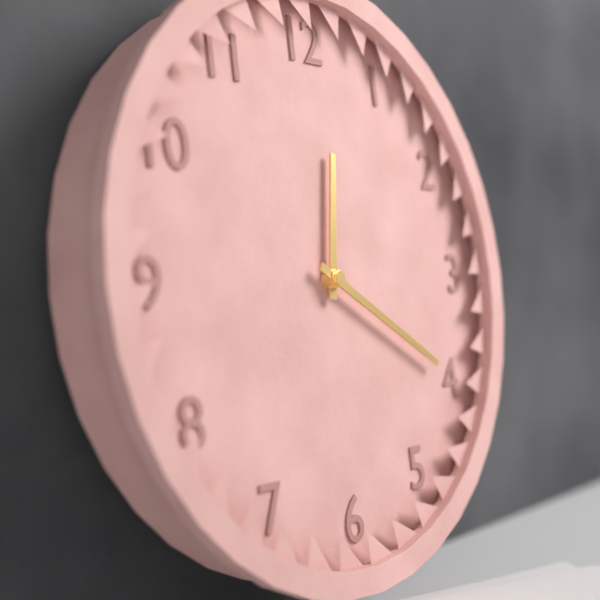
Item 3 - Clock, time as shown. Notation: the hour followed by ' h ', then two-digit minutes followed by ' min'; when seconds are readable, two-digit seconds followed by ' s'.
12 h 20 min
